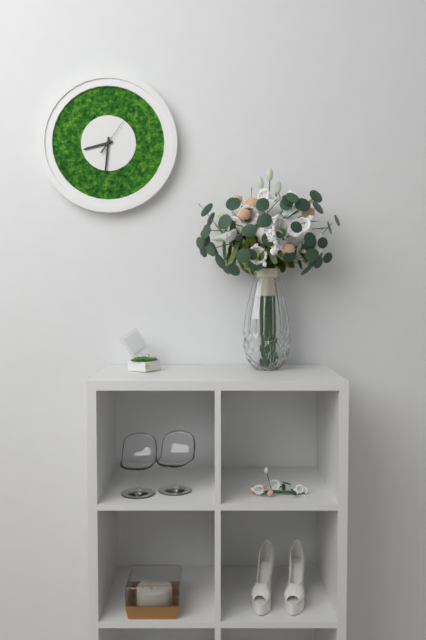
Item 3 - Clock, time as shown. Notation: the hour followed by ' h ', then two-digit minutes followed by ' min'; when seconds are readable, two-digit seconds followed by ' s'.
8 h 31 min
